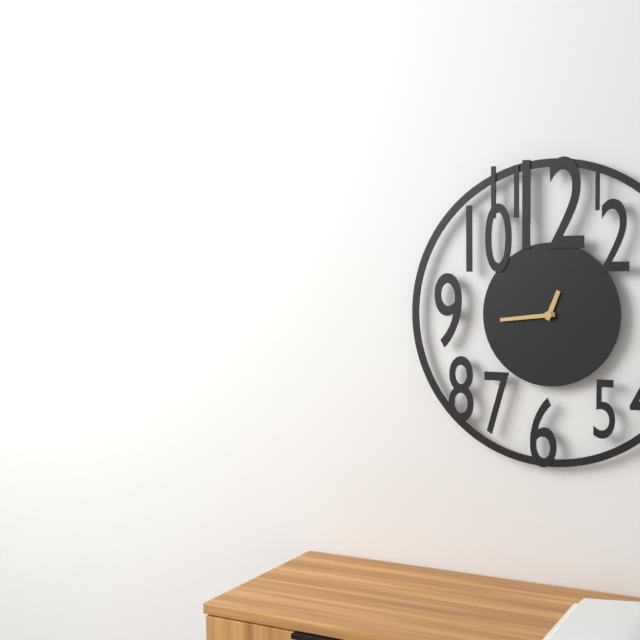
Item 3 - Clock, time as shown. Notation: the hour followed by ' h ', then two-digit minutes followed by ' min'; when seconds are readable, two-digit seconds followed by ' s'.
12 h 44 min
